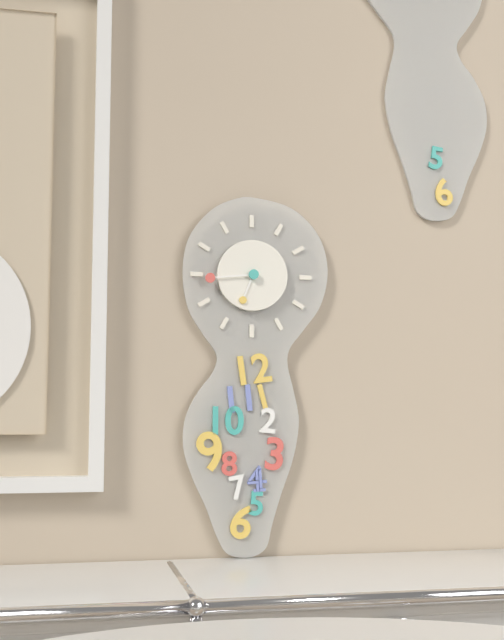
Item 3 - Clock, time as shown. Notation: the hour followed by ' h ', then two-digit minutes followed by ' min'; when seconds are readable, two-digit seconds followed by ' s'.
6 h 44 min
